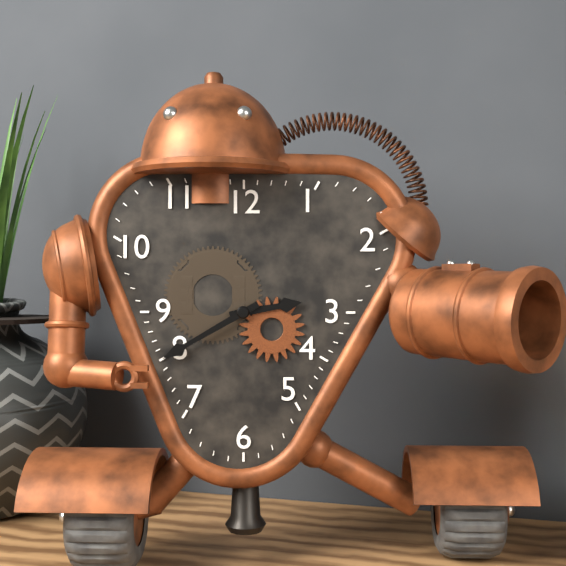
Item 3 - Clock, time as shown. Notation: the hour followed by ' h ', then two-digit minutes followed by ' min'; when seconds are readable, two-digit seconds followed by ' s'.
2 h 40 min
